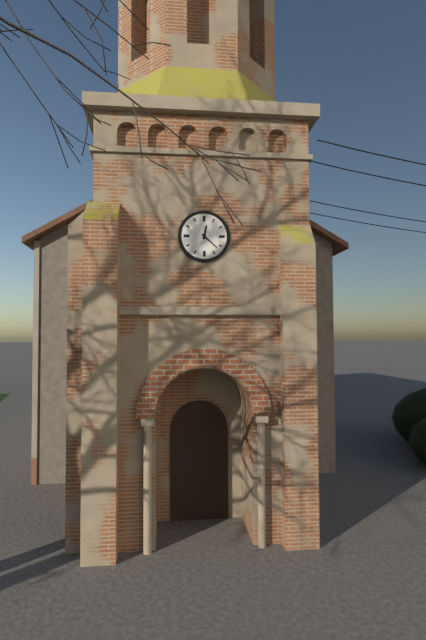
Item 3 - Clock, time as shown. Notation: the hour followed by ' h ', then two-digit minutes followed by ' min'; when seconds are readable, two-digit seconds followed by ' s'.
12 h 22 min
